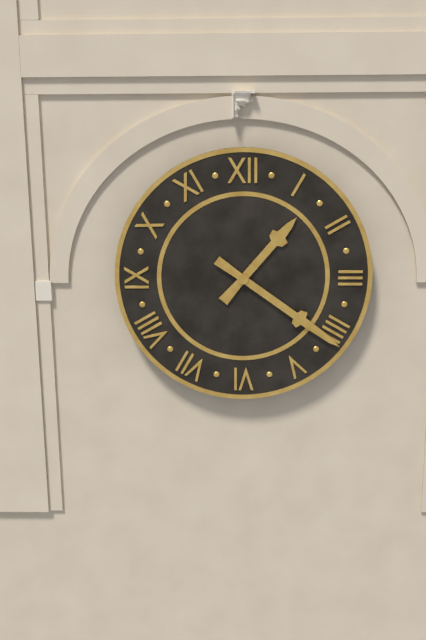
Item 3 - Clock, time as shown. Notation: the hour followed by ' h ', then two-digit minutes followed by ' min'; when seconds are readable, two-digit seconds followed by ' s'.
1 h 21 min
